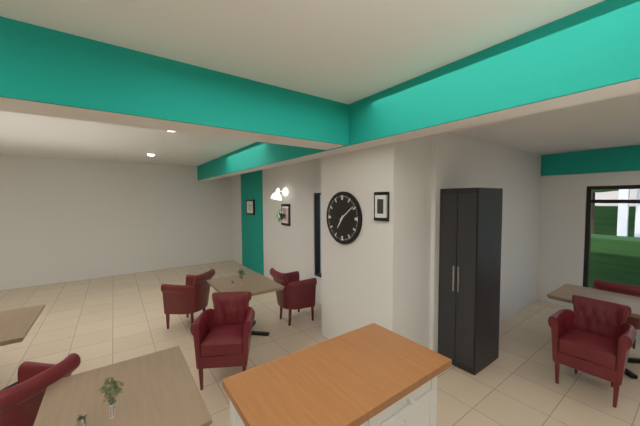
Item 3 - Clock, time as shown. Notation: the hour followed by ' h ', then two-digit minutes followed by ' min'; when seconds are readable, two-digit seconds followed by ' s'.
7 h 09 min
